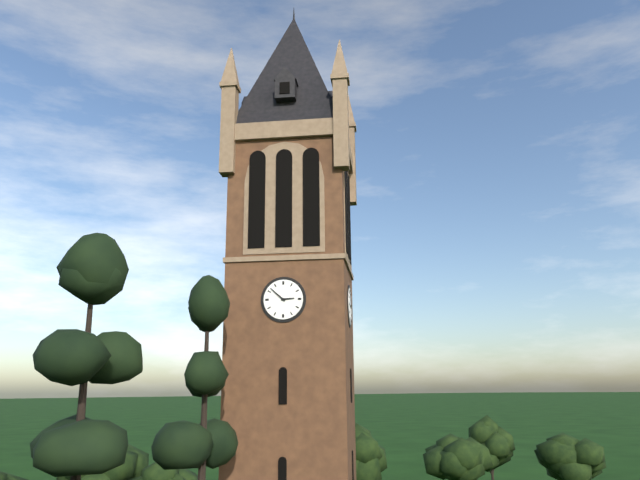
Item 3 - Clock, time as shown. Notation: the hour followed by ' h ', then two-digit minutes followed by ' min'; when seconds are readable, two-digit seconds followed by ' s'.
2 h 52 min
